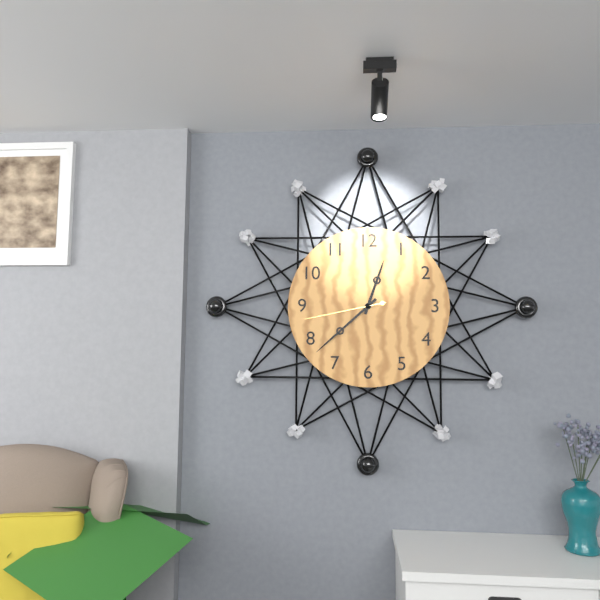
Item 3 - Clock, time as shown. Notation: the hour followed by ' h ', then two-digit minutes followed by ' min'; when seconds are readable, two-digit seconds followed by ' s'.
12 h 38 min 43 s
